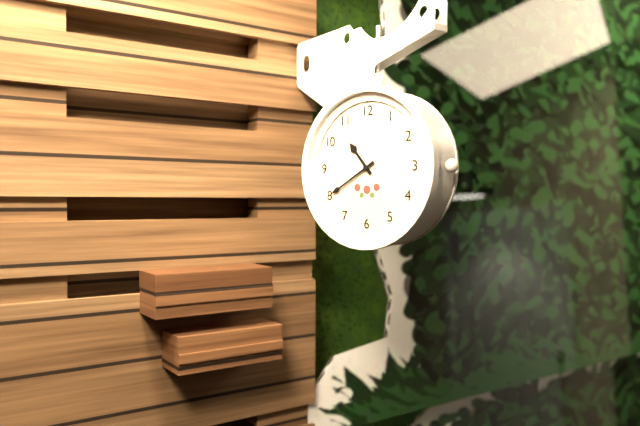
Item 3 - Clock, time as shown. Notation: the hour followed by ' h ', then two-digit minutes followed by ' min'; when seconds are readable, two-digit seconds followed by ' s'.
10 h 40 min
